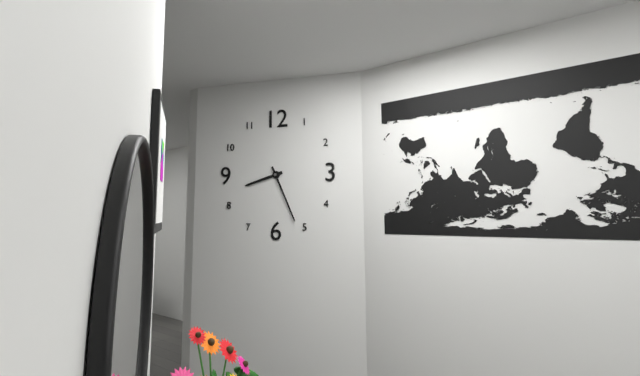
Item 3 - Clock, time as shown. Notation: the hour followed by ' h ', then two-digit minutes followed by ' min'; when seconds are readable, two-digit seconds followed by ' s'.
8 h 26 min
